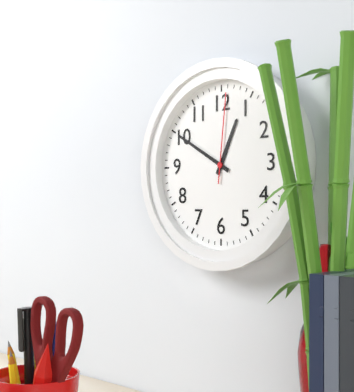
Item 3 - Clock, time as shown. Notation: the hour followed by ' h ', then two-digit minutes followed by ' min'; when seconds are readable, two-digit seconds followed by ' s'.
12 h 50 min 01 s
